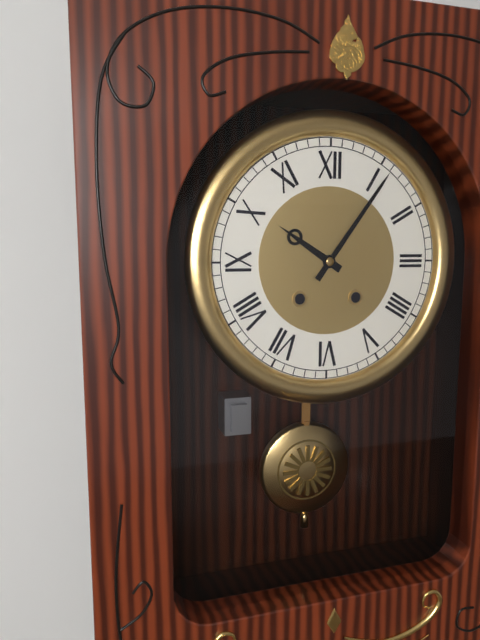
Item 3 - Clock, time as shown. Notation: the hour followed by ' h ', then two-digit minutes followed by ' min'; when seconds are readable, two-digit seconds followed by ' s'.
10 h 06 min
